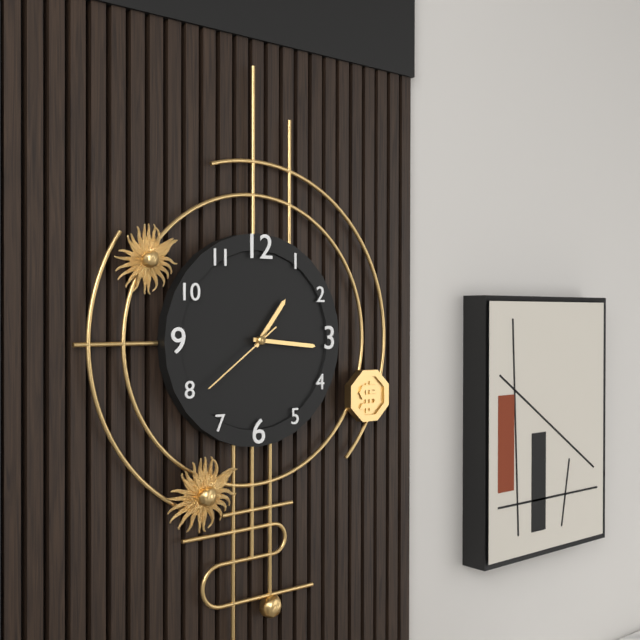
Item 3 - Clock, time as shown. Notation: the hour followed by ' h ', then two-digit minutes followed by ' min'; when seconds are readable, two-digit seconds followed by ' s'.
1 h 16 min 39 s
